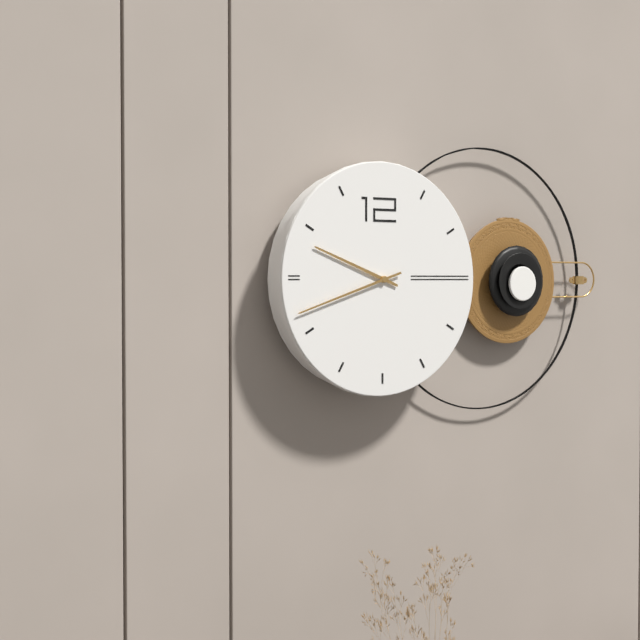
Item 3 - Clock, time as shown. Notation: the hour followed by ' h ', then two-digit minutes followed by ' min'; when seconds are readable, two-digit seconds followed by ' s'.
9 h 42 min
